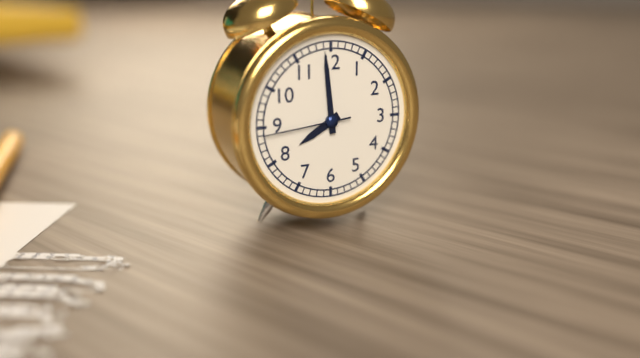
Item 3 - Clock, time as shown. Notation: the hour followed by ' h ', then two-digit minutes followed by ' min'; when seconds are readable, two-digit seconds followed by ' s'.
7 h 59 min 44 s
